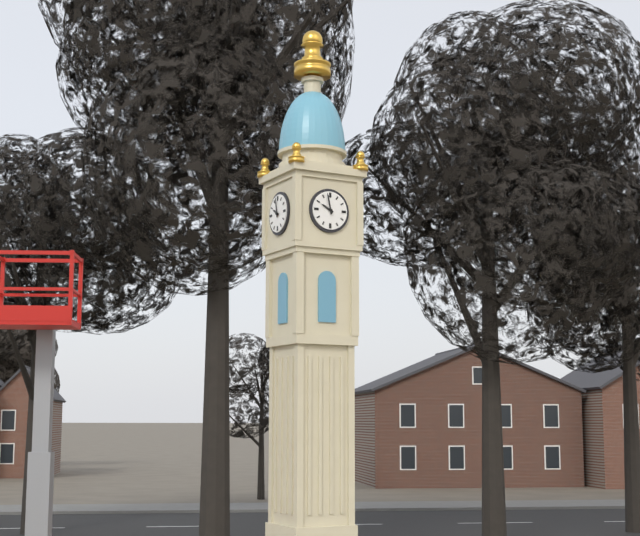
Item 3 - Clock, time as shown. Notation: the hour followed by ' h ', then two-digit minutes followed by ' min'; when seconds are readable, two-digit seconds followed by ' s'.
9 h 58 min
